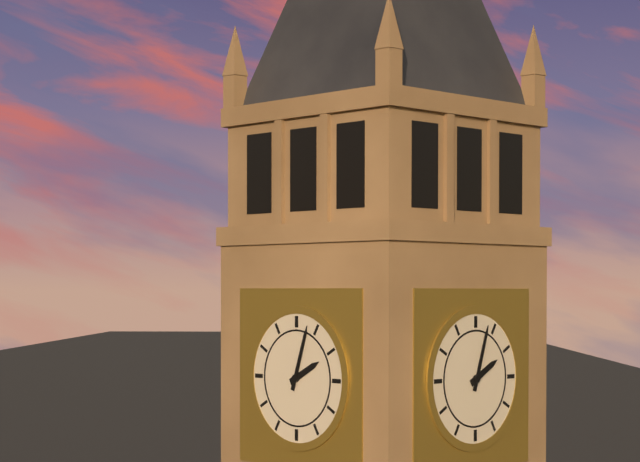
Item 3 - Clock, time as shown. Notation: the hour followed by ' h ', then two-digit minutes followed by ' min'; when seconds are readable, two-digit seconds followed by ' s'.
2 h 03 min
